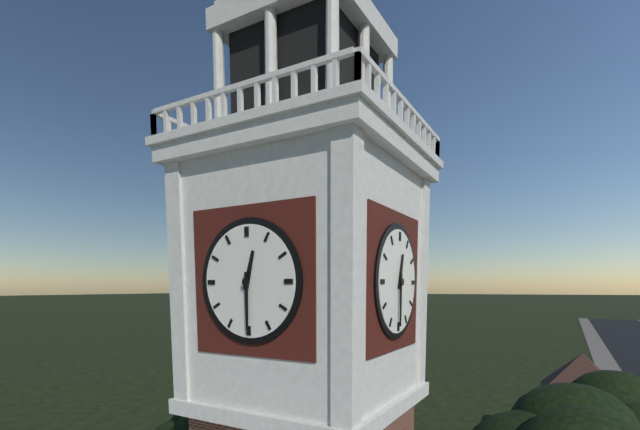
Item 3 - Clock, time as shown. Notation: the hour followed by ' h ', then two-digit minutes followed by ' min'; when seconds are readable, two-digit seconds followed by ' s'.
12 h 30 min
